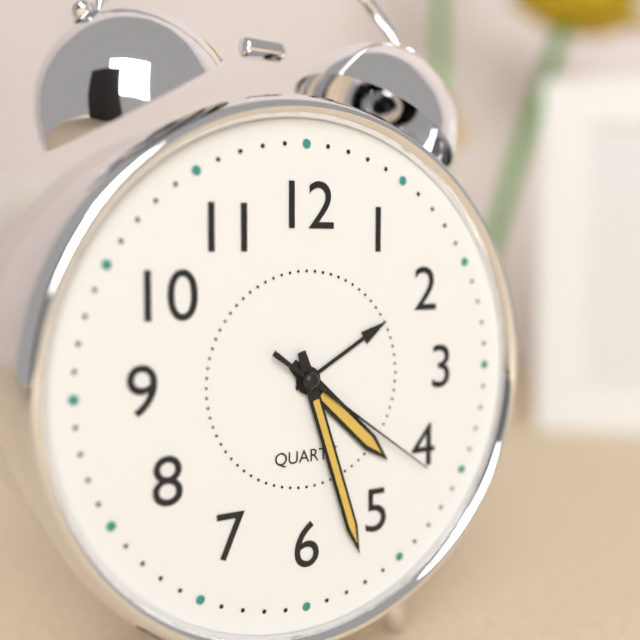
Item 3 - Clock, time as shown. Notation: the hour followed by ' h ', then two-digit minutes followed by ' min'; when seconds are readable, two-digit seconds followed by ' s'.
4 h 27 min 21 s
